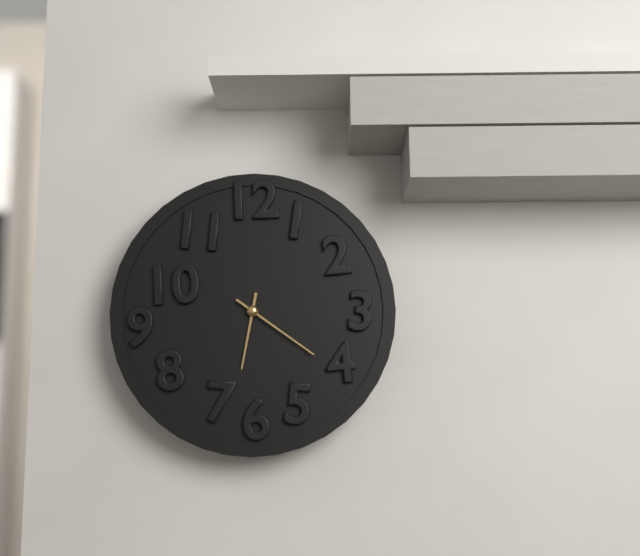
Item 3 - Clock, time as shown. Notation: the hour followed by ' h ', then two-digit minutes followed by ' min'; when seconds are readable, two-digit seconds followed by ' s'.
6 h 21 min
